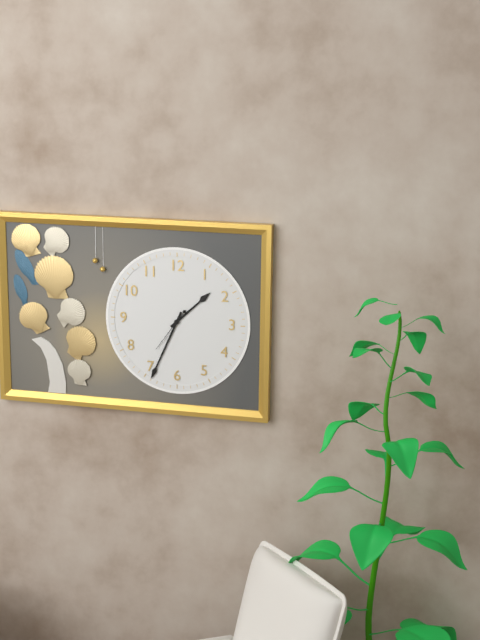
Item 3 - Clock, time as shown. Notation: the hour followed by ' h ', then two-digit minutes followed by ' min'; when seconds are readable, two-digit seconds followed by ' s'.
1 h 34 min
